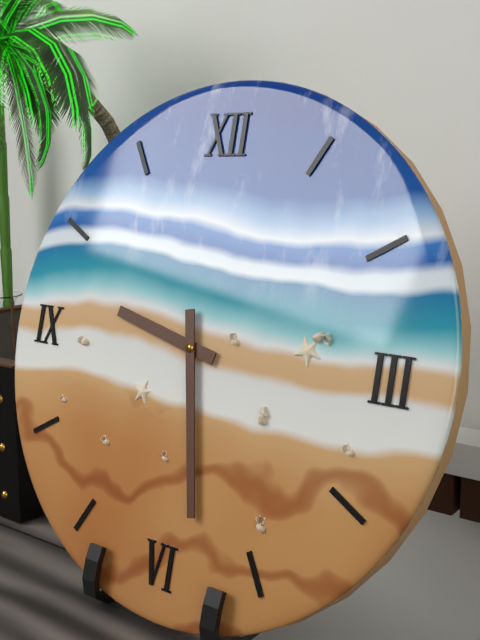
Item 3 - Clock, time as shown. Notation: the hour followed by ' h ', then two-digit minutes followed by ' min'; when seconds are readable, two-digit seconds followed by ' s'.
9 h 28 min
